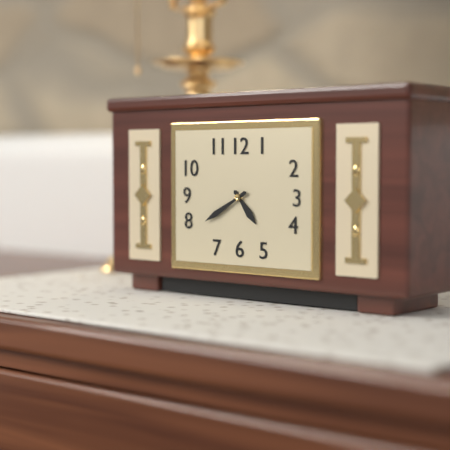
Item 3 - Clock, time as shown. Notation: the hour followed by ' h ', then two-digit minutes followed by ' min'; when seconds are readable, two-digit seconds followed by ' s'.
4 h 40 min
